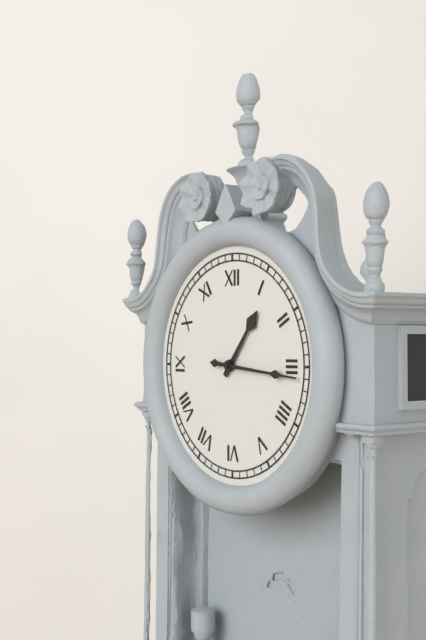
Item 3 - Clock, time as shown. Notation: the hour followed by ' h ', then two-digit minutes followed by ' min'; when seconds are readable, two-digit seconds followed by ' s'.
1 h 16 min
